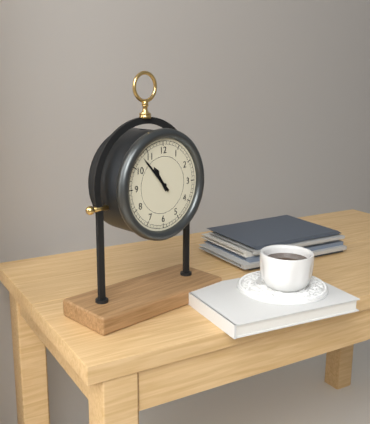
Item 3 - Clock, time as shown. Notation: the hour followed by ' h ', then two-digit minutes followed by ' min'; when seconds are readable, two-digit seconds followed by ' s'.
10 h 53 min
